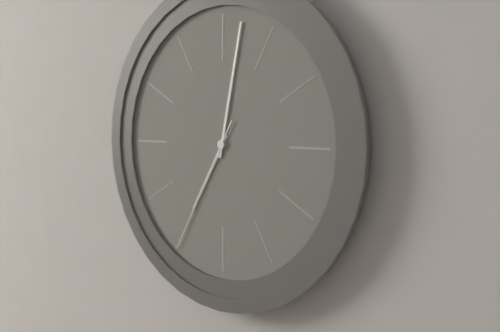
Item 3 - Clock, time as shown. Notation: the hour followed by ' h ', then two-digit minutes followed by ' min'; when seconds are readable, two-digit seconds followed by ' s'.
7 h 02 min 35 s
